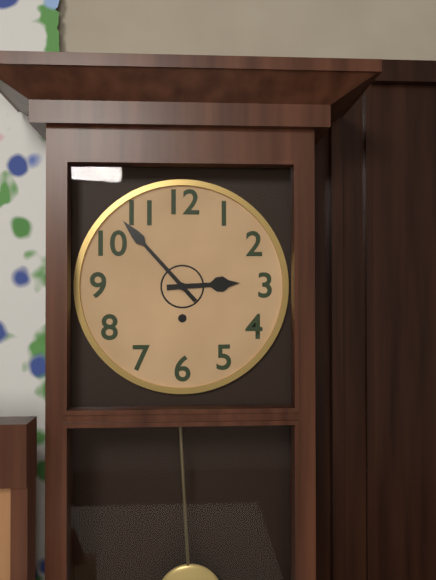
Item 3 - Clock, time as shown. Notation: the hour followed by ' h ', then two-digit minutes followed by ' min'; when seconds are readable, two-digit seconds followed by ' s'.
2 h 53 min
